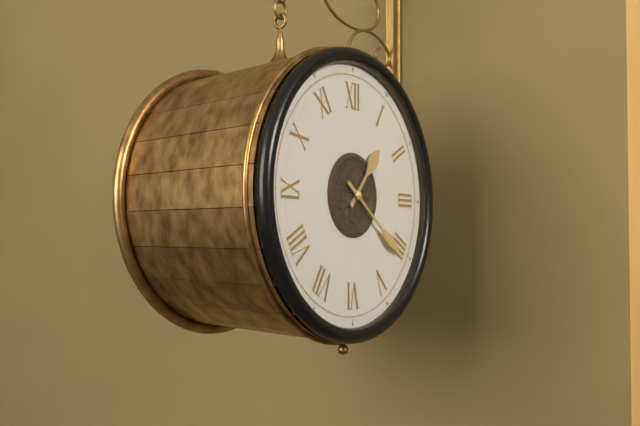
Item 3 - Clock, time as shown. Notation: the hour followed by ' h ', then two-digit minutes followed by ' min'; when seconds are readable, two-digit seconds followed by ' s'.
1 h 21 min
